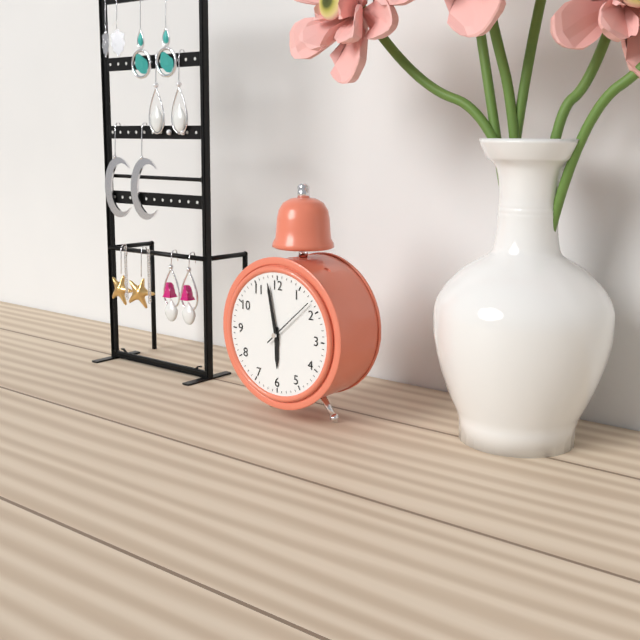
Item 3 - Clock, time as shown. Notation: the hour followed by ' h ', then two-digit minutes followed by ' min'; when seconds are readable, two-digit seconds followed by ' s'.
5 h 58 min 08 s
